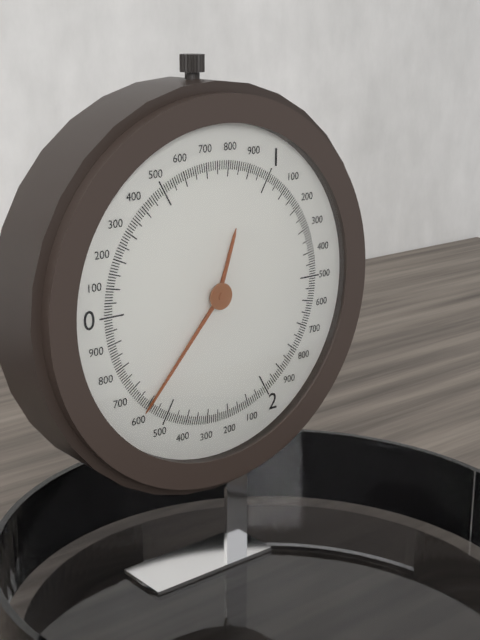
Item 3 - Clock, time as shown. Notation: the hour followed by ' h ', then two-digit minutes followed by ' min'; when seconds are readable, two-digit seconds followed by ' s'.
12 h 37 min
